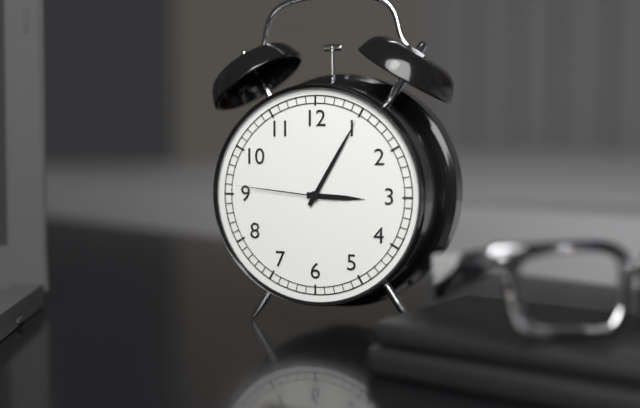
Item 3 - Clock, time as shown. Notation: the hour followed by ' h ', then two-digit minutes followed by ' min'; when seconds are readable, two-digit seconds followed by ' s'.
3 h 05 min 46 s
